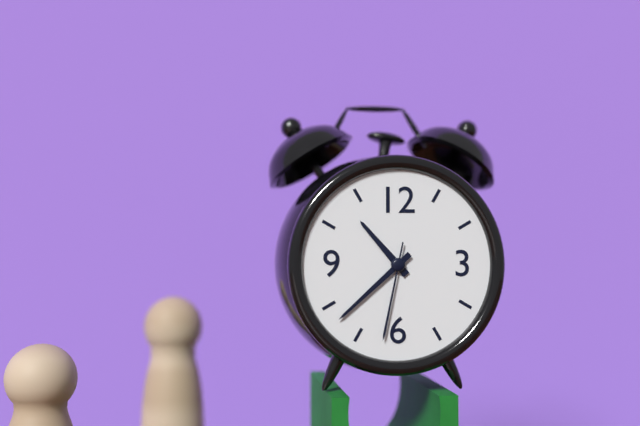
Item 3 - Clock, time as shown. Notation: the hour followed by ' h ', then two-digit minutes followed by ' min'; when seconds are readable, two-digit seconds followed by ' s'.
10 h 38 min 32 s
